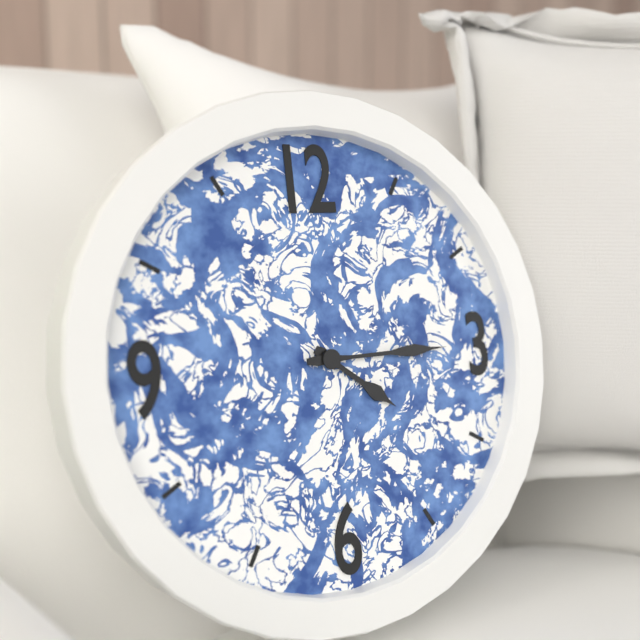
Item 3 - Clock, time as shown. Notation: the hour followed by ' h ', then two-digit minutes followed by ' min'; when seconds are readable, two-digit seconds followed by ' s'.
4 h 15 min
